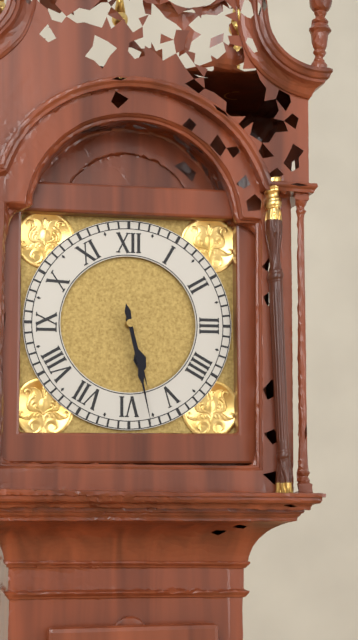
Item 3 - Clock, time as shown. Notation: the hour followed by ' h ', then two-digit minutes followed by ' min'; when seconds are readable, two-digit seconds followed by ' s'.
5 h 28 min
